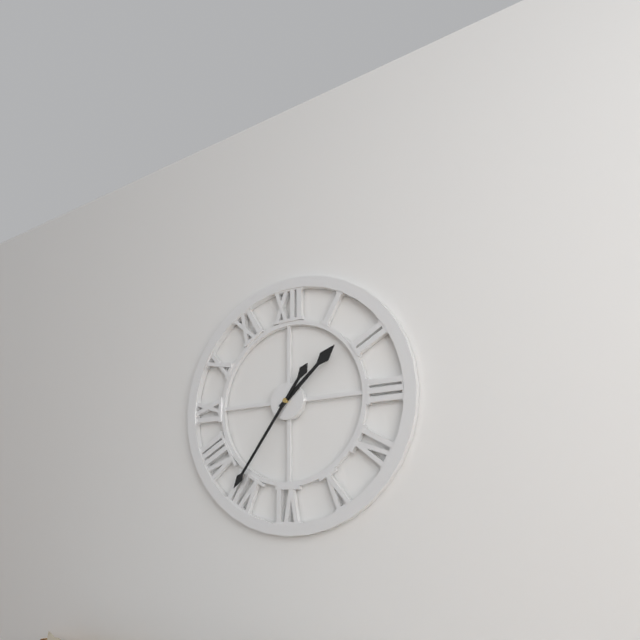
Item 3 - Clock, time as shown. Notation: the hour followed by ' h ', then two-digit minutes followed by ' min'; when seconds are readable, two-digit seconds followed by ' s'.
1 h 36 min
